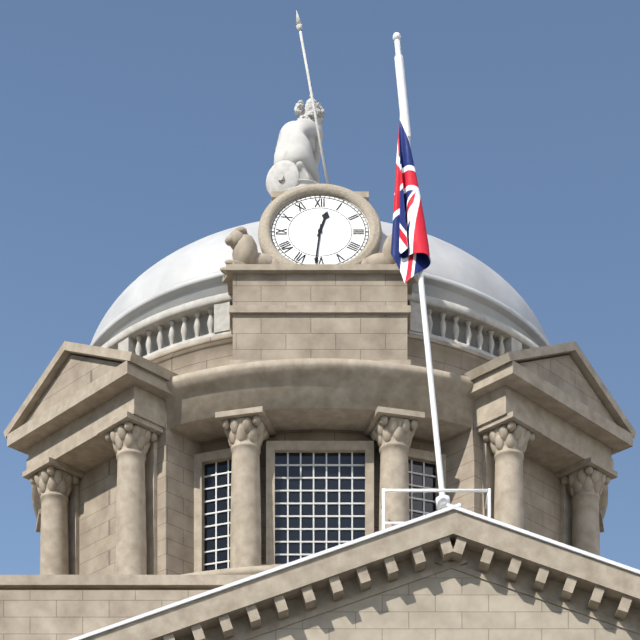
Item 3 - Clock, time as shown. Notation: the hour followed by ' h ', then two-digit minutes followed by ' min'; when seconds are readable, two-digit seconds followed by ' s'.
12 h 31 min
